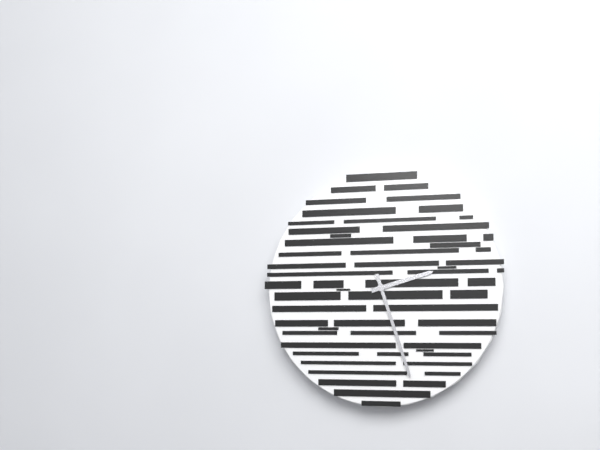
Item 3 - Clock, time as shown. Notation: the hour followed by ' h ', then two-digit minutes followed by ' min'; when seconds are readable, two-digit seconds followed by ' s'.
2 h 27 min
